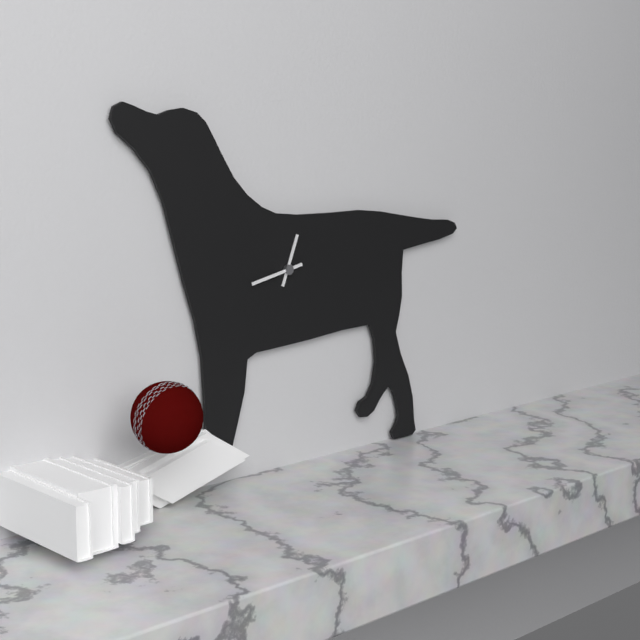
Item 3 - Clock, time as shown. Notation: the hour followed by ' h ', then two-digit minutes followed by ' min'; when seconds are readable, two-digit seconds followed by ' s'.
12 h 43 min
